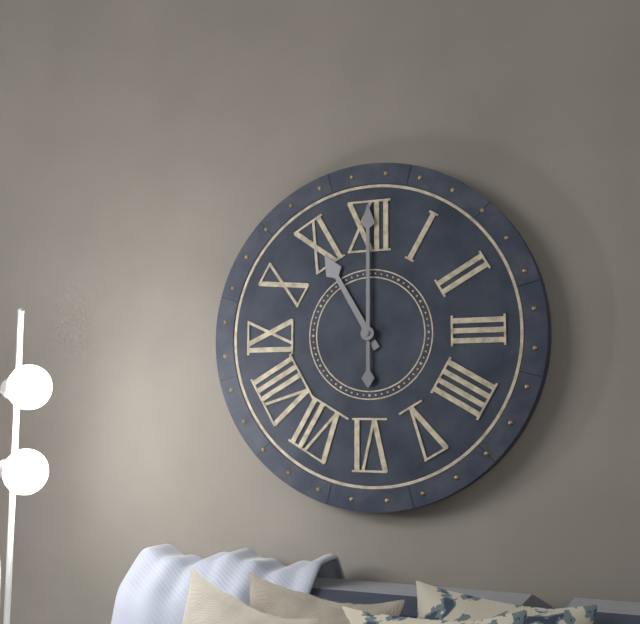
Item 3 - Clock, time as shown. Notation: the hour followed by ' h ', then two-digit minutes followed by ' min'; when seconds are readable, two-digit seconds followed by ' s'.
11 h 00 min
